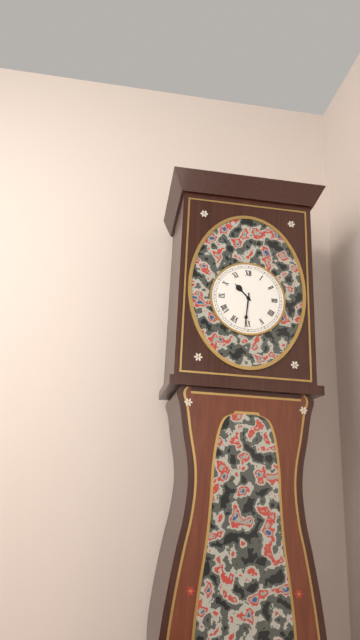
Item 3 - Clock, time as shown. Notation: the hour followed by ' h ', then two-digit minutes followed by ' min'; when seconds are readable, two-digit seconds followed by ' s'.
10 h 31 min
